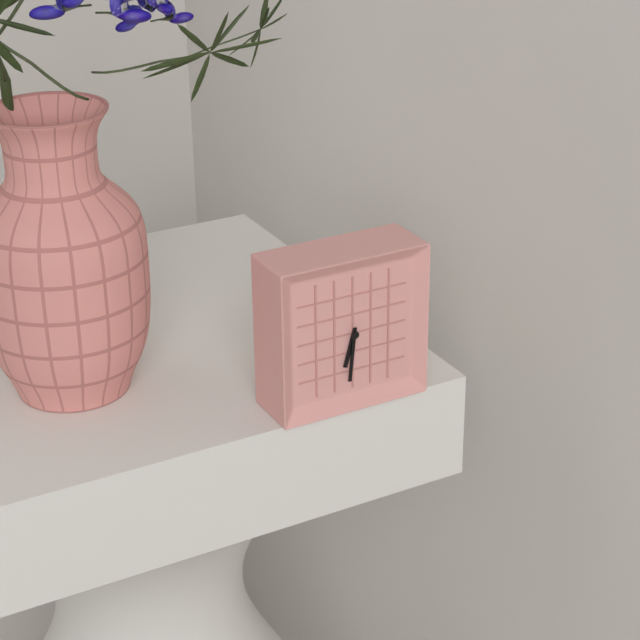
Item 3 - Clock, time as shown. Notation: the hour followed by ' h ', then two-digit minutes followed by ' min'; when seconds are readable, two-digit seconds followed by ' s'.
6 h 31 min
